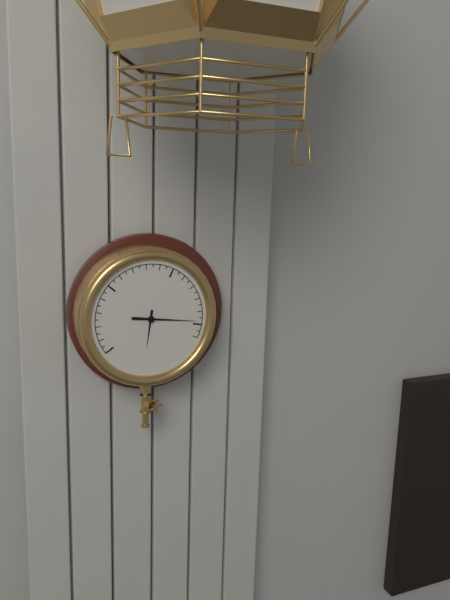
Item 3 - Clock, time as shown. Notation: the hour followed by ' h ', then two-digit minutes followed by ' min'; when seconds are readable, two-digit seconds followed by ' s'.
6 h 16 min
